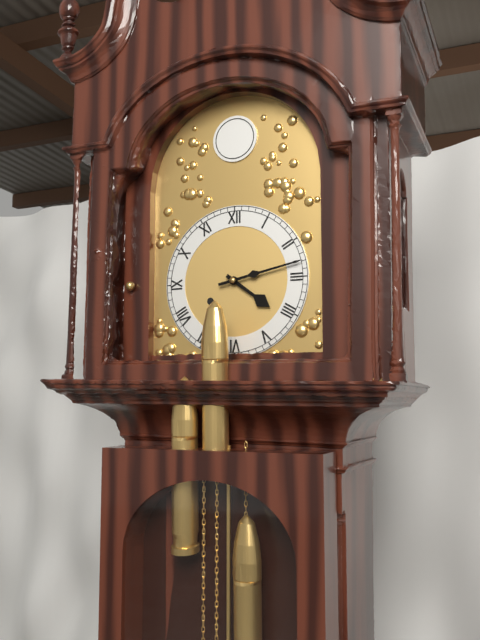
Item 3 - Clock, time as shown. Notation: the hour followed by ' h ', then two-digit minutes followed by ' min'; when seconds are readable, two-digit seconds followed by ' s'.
4 h 13 min
